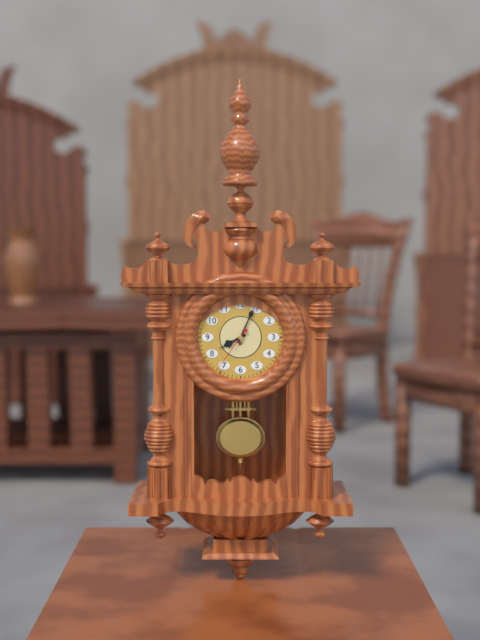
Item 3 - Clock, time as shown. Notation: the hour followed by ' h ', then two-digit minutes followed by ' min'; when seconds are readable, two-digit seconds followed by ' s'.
8 h 04 min 36 s
